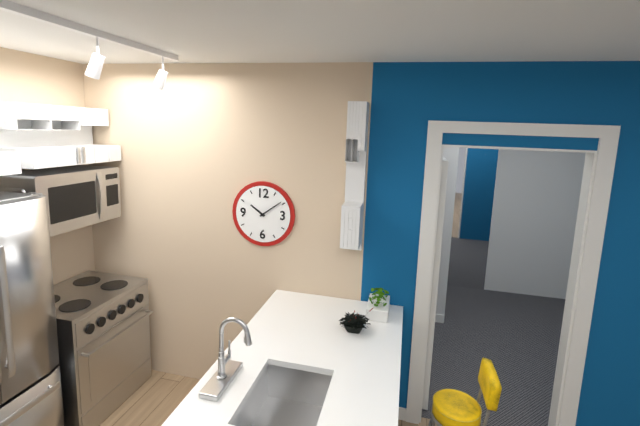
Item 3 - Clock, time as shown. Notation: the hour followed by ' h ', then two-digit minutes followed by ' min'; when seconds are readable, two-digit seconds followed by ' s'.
10 h 09 min
